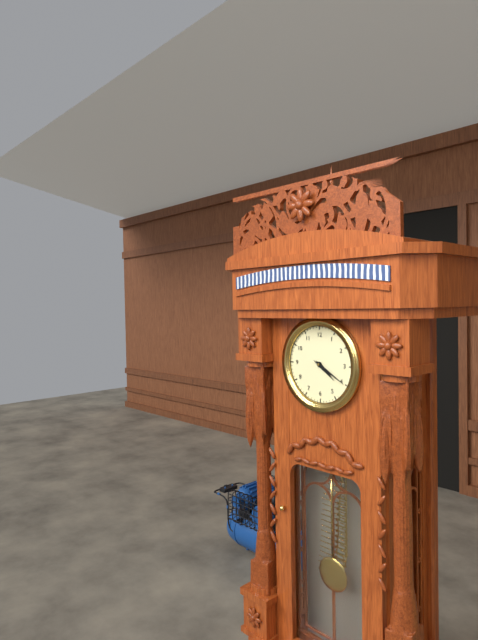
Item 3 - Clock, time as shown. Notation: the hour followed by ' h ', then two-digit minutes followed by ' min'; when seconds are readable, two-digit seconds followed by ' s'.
4 h 20 min
